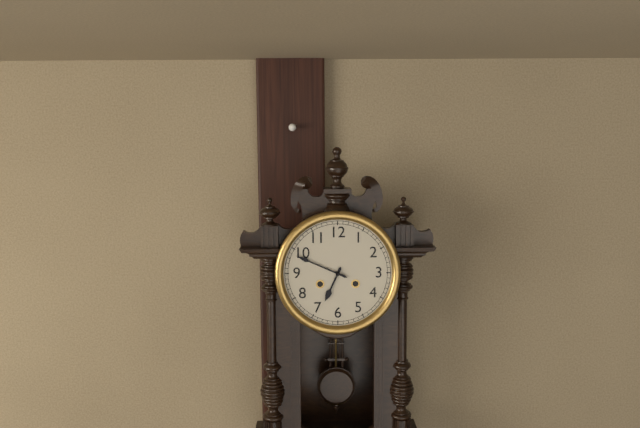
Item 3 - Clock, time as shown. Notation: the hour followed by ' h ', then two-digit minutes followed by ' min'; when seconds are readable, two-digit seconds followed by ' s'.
6 h 49 min
